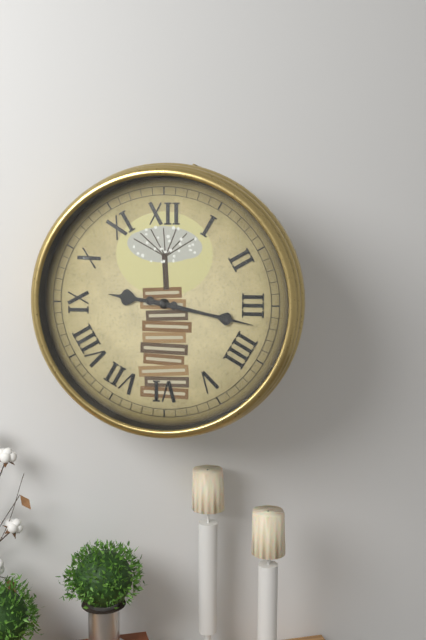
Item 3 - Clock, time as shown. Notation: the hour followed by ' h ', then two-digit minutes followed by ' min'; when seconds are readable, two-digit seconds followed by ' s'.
9 h 17 min
